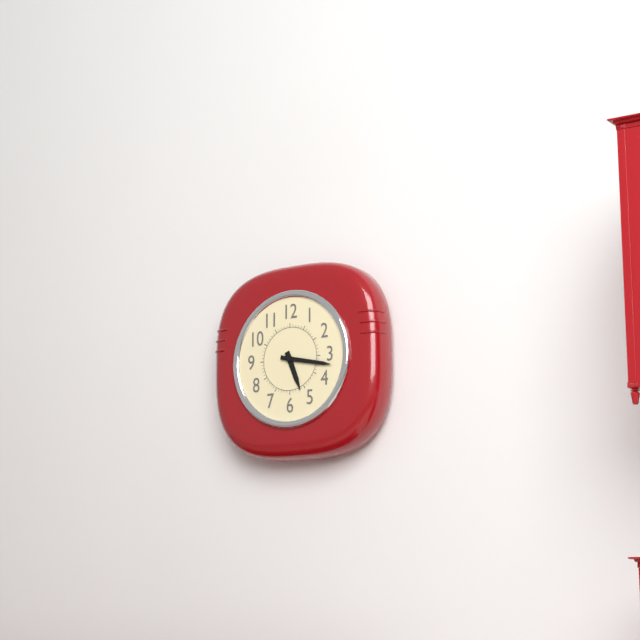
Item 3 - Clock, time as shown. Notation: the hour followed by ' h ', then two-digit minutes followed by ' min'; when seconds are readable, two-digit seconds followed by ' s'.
5 h 17 min
